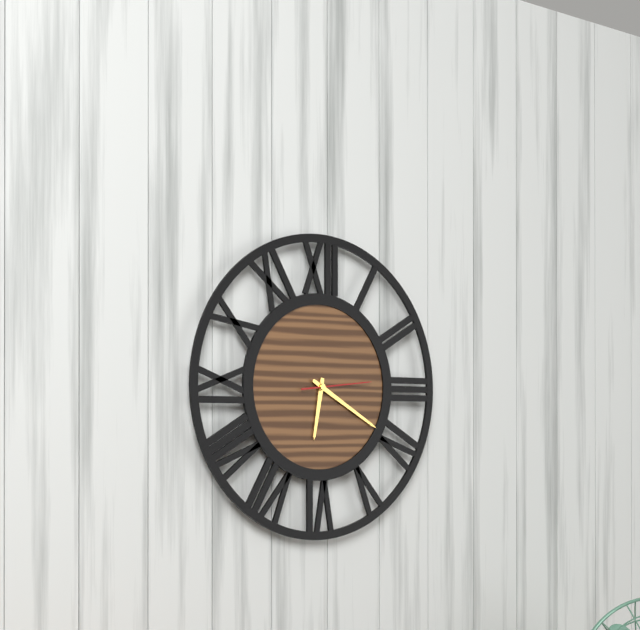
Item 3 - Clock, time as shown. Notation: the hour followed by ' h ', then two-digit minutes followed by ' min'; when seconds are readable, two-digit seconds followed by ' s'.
6 h 20 min 14 s
